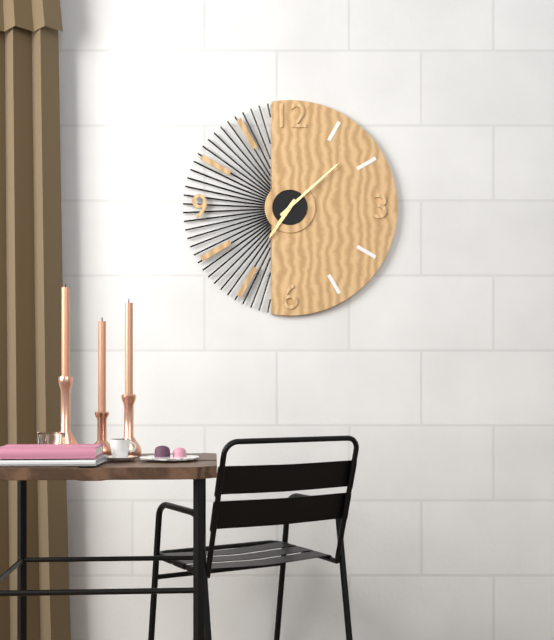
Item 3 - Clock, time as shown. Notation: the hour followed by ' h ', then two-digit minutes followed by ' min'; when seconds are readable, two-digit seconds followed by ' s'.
7 h 08 min
